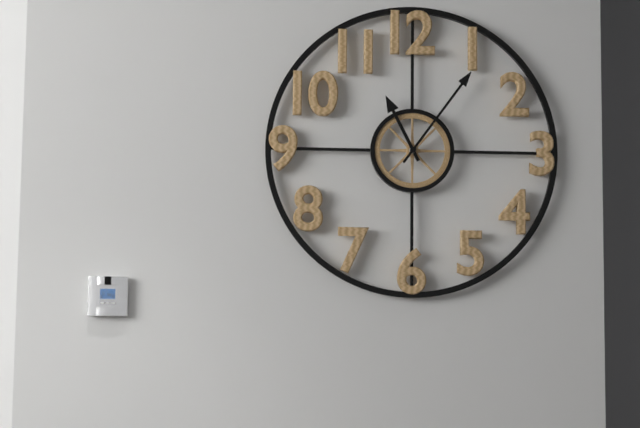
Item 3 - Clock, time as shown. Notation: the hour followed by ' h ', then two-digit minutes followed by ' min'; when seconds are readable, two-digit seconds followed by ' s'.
11 h 06 min
